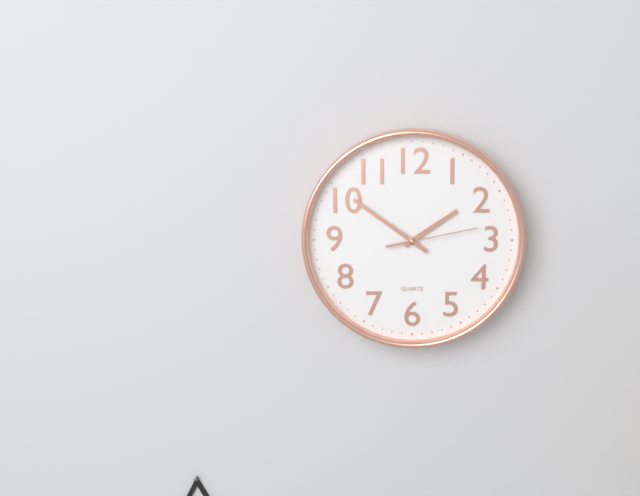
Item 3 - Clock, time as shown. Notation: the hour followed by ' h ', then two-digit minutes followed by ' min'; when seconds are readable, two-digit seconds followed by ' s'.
1 h 51 min 13 s
